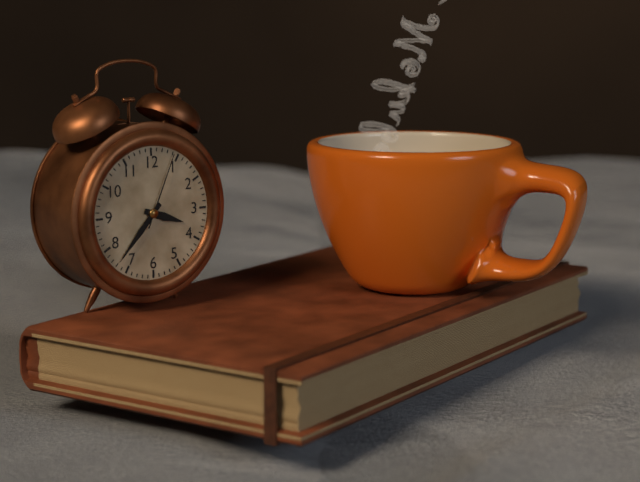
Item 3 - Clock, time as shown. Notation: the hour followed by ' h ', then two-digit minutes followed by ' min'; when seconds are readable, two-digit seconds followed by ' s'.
3 h 37 min 04 s
